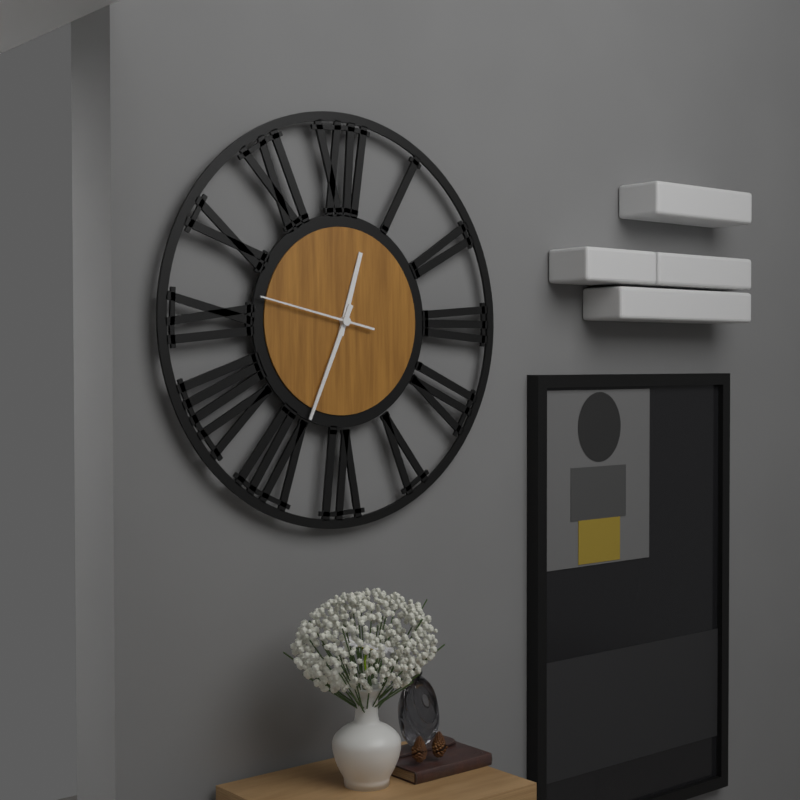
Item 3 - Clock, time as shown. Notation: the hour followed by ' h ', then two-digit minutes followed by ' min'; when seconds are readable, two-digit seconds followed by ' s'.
12 h 34 min 47 s
